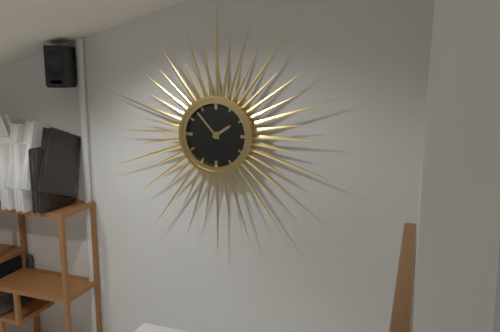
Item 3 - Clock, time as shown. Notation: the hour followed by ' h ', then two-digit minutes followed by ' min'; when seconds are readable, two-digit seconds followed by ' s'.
1 h 53 min
